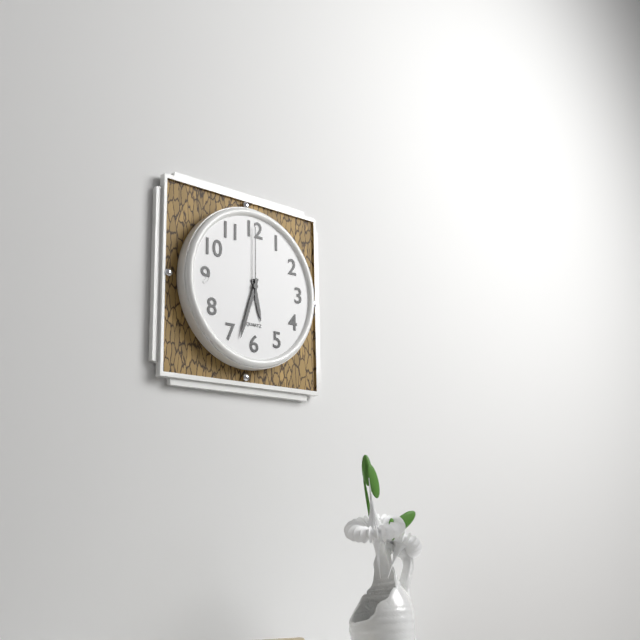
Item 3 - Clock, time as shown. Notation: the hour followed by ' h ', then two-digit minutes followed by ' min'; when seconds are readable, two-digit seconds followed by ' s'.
5 h 33 min 00 s
